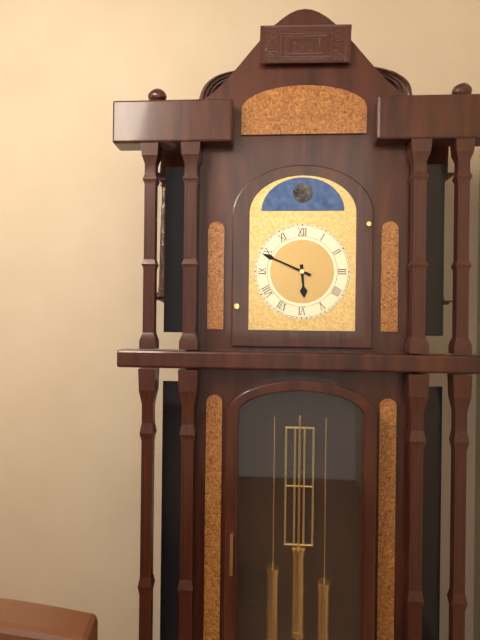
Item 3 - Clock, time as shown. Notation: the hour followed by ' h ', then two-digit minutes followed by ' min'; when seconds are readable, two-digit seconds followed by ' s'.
5 h 49 min
